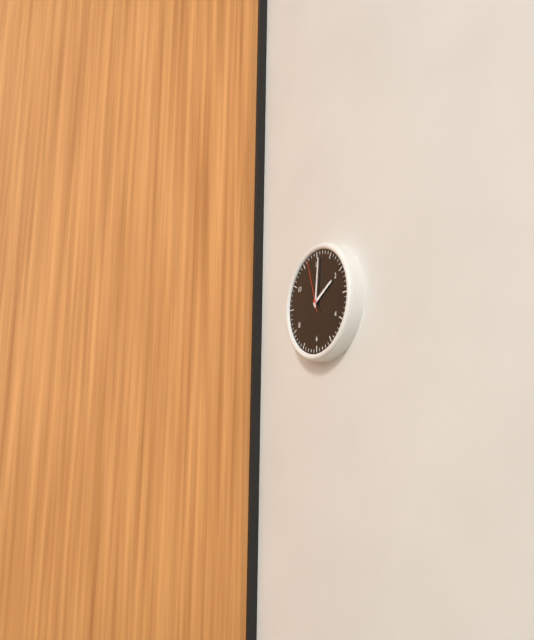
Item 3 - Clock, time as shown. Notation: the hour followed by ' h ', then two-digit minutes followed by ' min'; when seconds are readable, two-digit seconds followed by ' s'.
2 h 01 min 57 s
